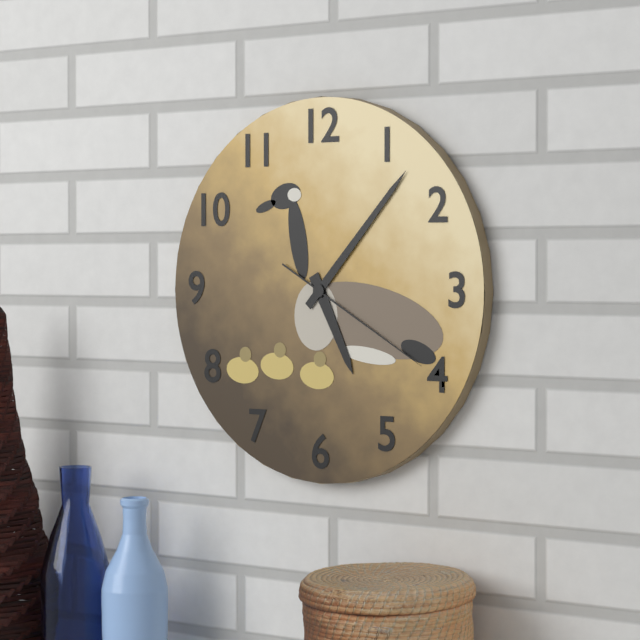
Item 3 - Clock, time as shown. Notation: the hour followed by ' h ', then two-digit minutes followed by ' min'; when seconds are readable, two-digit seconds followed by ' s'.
5 h 07 min 20 s
